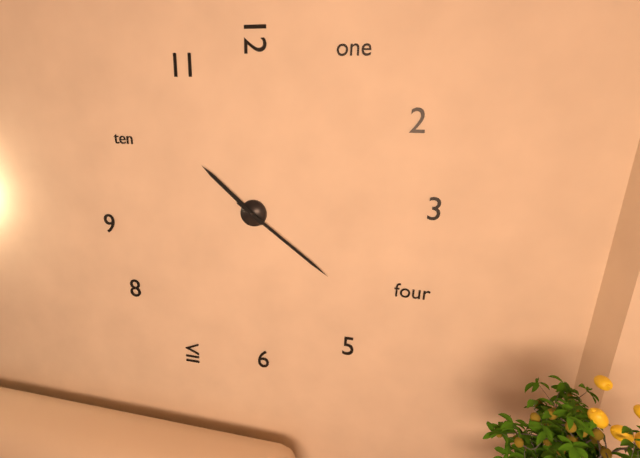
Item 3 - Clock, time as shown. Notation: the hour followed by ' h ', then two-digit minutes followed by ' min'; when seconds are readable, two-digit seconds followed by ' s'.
10 h 21 min
